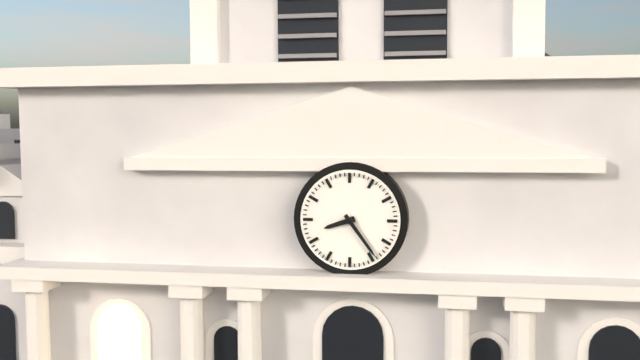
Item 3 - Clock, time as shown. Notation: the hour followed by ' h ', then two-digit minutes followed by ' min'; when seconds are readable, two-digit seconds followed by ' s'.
8 h 24 min
